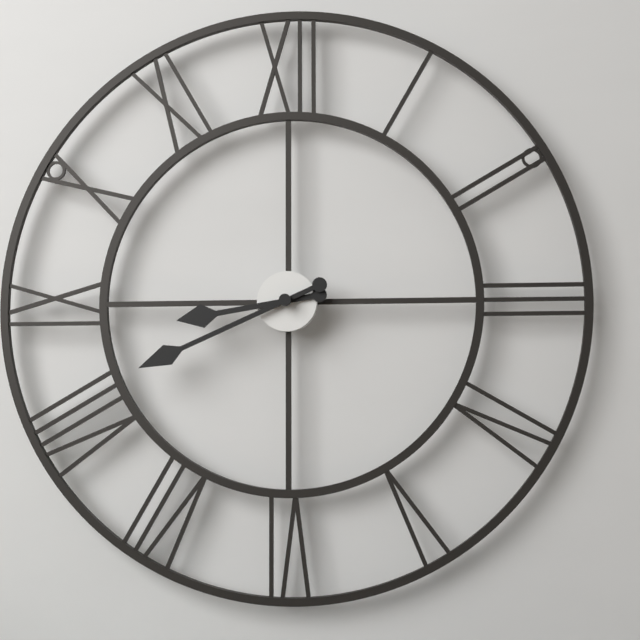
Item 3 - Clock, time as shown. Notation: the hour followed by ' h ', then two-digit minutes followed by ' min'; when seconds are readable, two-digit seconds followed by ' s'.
8 h 41 min
